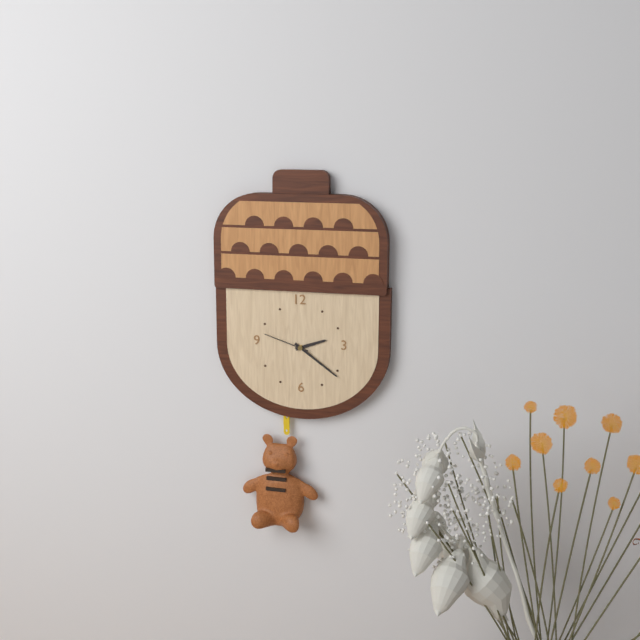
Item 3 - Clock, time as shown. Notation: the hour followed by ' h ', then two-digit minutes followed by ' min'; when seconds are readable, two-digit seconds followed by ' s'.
2 h 21 min 48 s
